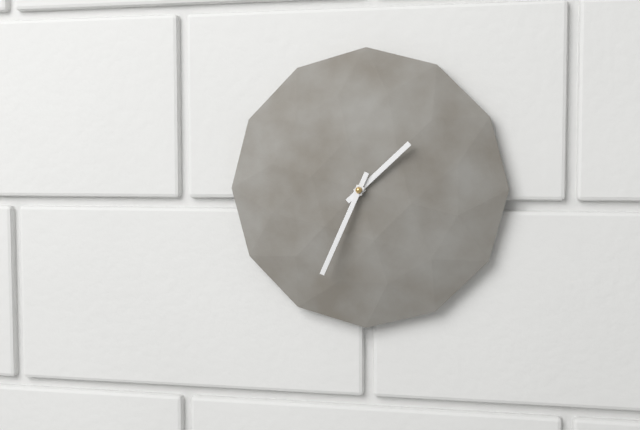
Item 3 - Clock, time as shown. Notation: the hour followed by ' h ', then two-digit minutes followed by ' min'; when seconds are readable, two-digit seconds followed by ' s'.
1 h 34 min
